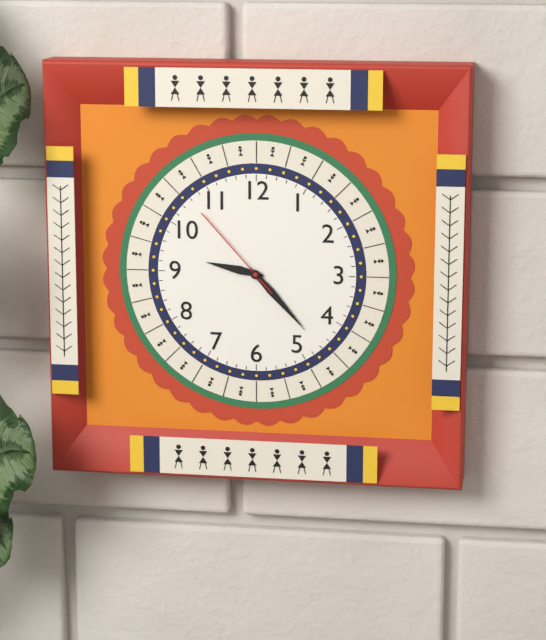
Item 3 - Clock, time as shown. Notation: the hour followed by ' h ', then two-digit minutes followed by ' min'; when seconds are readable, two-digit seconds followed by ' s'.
9 h 23 min 53 s
